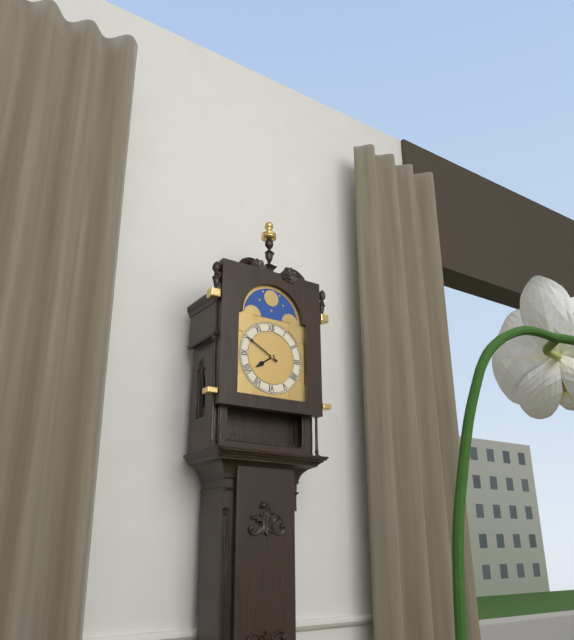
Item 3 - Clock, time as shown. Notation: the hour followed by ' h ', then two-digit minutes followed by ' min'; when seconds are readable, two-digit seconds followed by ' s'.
7 h 50 min
